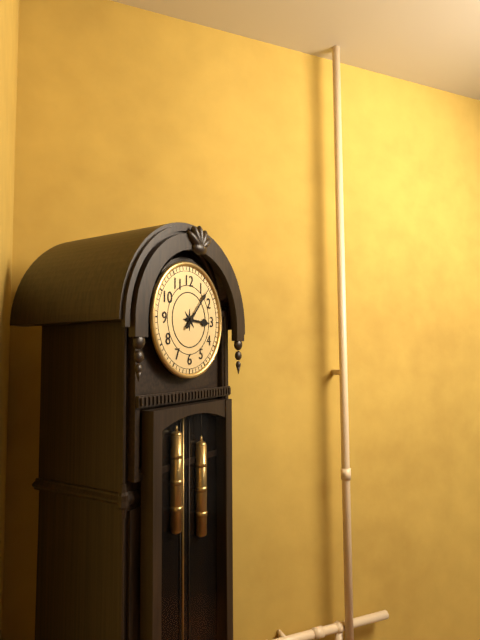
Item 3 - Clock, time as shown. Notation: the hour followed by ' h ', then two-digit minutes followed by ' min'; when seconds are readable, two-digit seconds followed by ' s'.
3 h 07 min
